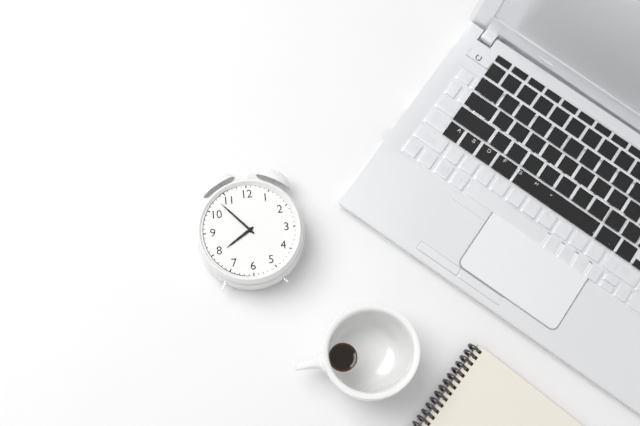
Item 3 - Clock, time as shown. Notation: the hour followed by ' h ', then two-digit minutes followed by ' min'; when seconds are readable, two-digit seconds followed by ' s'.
7 h 53 min
